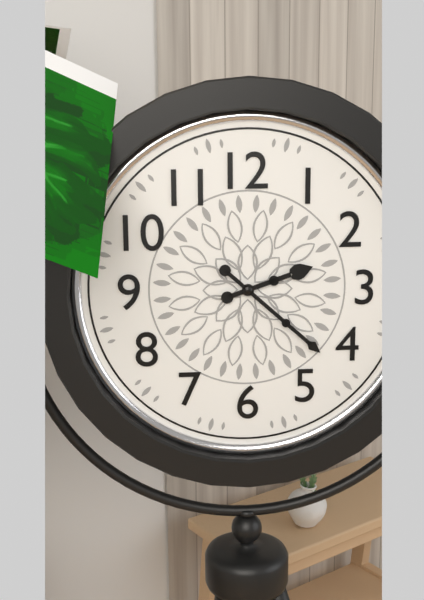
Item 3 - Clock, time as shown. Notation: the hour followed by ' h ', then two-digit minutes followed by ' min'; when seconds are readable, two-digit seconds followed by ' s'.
2 h 22 min
